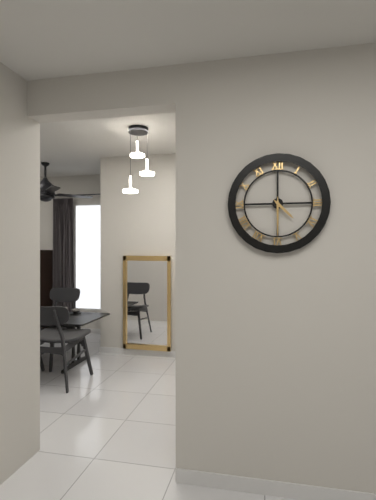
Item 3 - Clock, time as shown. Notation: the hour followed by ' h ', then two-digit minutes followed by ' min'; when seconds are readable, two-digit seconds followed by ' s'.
4 h 30 min
